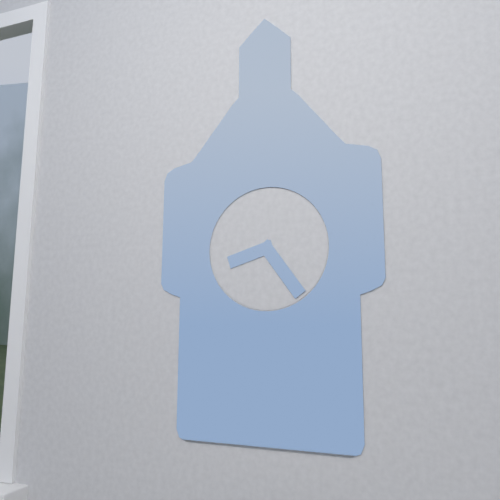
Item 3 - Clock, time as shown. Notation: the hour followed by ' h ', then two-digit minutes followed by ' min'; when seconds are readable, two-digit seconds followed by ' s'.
8 h 24 min
